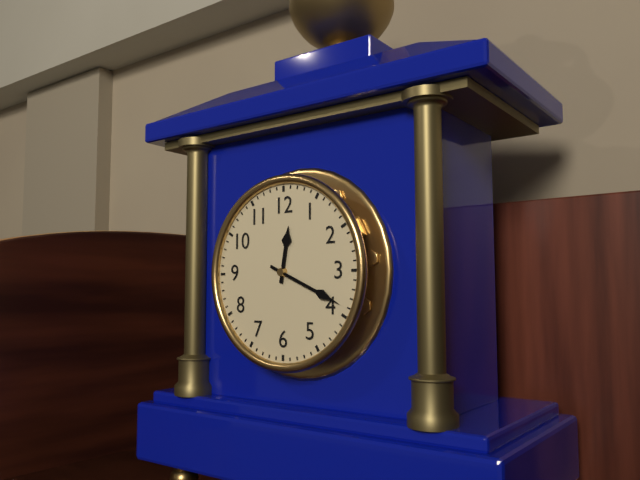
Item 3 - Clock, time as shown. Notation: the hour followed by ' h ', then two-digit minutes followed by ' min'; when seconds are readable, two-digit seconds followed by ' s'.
12 h 19 min
